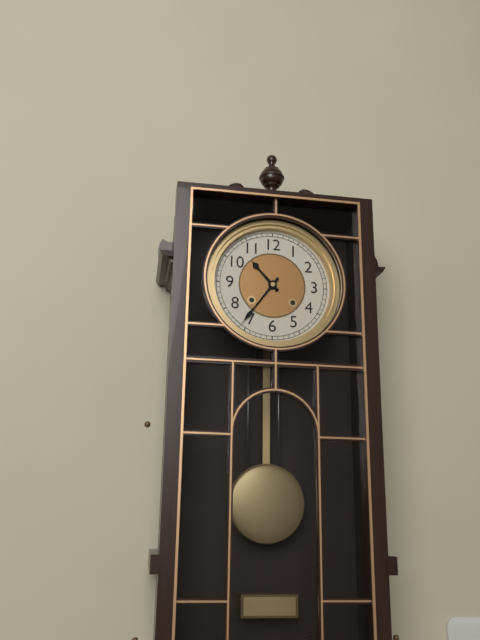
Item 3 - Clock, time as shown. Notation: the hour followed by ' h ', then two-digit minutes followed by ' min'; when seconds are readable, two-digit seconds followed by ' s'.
10 h 36 min
